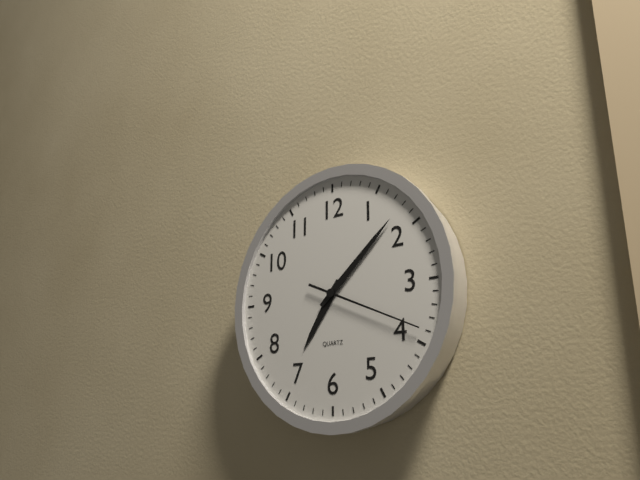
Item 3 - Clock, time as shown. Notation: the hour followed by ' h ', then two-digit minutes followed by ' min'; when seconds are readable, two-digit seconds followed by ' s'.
7 h 08 min 19 s
